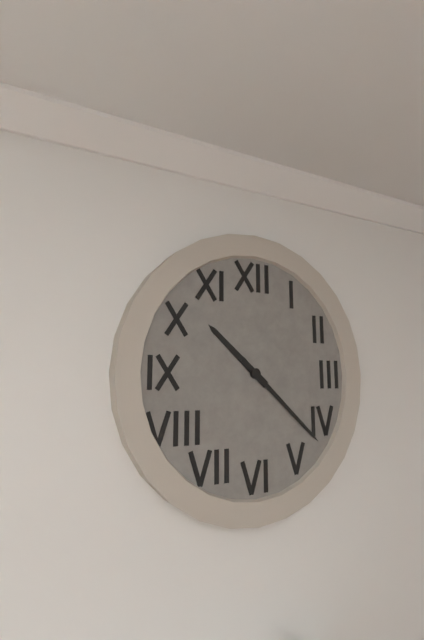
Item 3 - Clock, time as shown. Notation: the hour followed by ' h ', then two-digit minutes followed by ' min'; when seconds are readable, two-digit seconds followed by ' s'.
10 h 22 min
